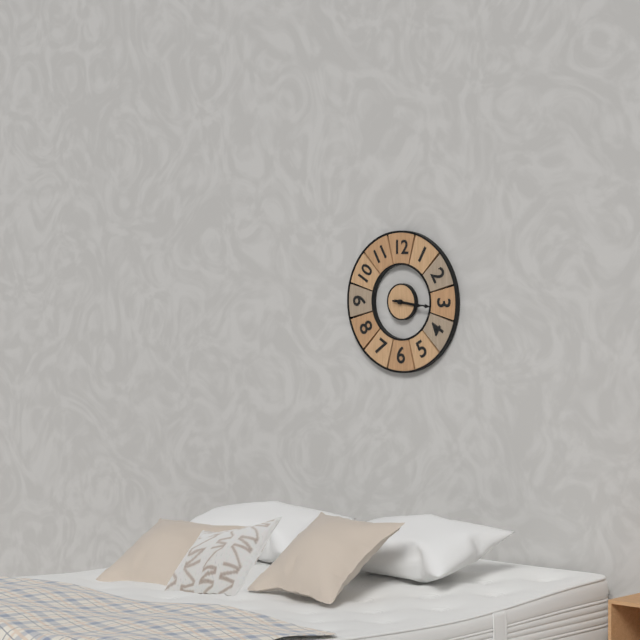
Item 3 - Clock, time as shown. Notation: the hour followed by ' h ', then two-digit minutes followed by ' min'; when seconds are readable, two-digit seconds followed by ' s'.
3 h 16 min
